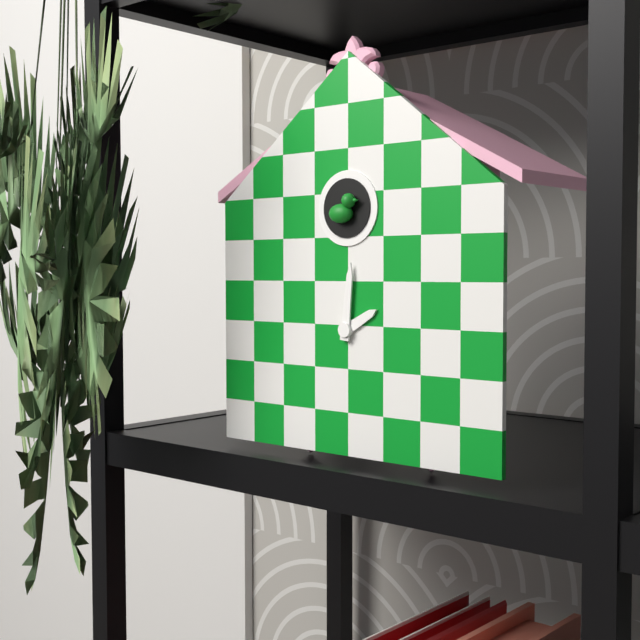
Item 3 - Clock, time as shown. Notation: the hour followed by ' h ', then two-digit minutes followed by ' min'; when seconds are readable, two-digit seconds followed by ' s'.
2 h 01 min
